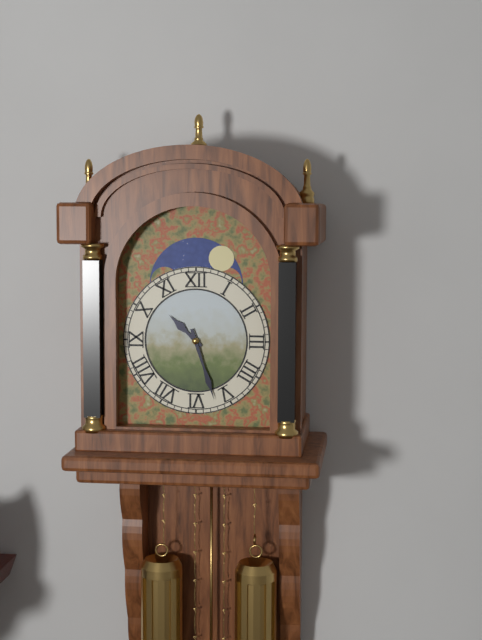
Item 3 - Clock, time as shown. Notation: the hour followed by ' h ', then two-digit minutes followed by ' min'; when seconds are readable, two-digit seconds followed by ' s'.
10 h 27 min
